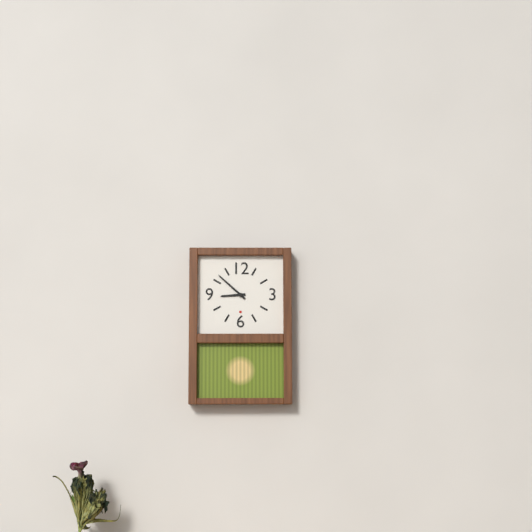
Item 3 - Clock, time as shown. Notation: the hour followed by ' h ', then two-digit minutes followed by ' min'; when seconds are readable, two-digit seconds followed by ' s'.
8 h 52 min
